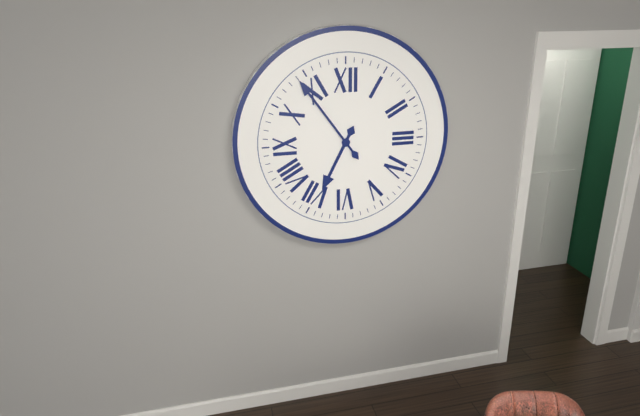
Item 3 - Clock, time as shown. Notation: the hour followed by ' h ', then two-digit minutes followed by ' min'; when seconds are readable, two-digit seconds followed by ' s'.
6 h 54 min
